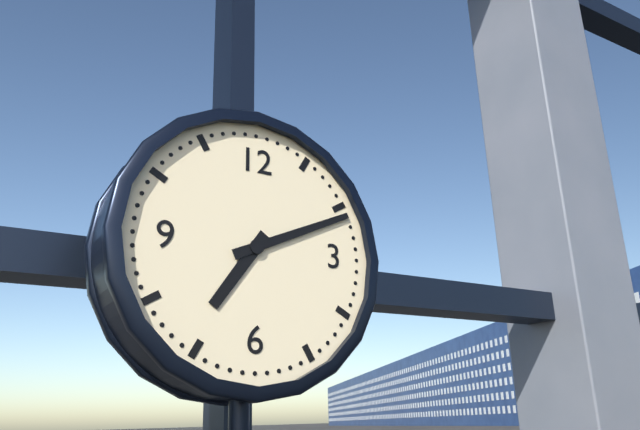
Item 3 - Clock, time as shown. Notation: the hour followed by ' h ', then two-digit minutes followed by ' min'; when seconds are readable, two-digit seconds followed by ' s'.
7 h 11 min
